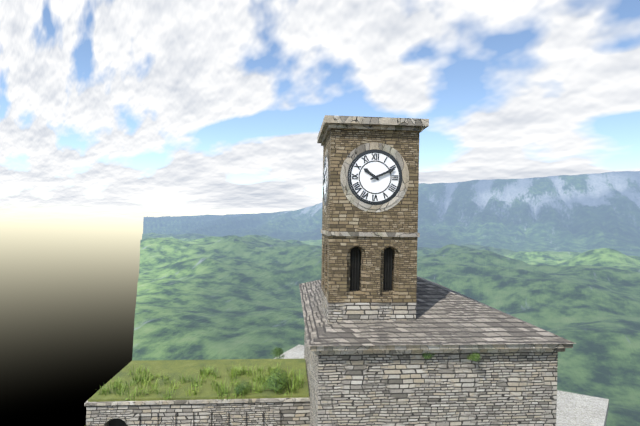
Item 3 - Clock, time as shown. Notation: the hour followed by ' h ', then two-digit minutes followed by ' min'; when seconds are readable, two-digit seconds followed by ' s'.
10 h 11 min
